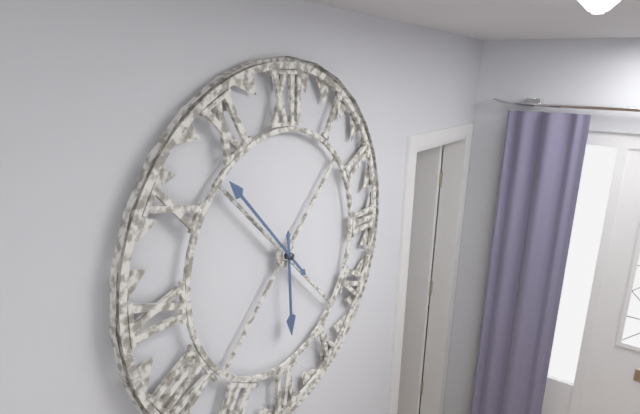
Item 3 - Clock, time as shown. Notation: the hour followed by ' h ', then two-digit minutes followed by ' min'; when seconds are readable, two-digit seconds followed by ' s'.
5 h 53 min
